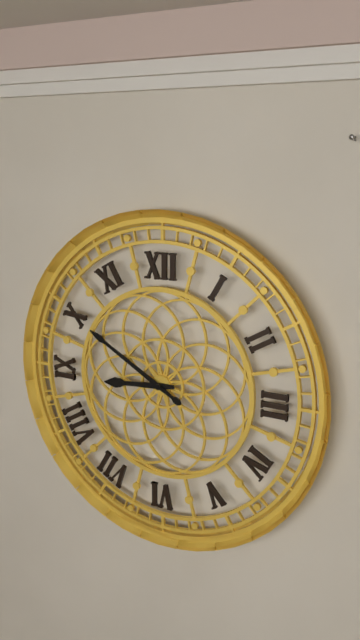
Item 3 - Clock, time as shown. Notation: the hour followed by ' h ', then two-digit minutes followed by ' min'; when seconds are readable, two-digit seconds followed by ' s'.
8 h 50 min
